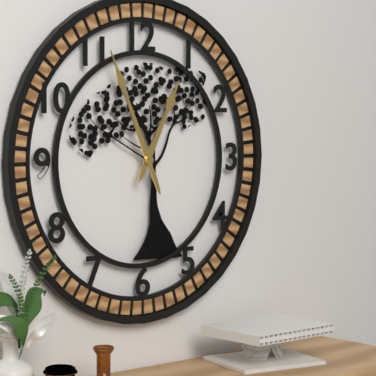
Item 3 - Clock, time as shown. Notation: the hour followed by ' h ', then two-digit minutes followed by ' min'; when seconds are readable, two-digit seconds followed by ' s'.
12 h 56 min
